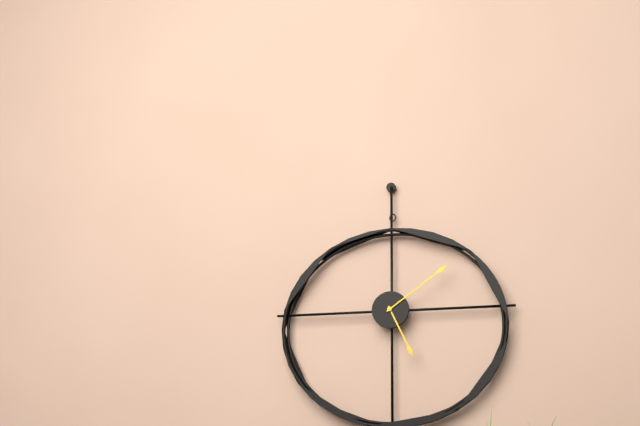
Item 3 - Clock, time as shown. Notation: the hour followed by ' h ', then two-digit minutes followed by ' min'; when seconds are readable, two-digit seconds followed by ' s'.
5 h 09 min
